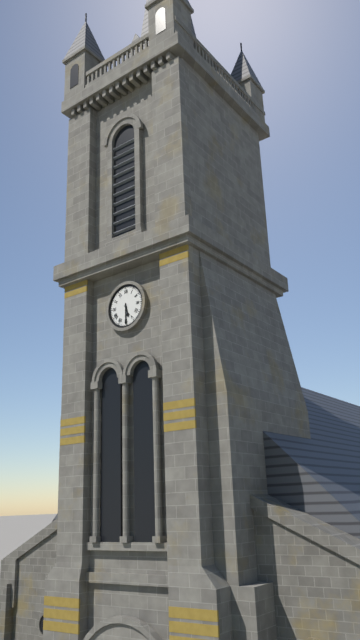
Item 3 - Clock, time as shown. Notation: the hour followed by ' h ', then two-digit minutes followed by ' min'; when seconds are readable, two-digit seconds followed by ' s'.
5 h 30 min
